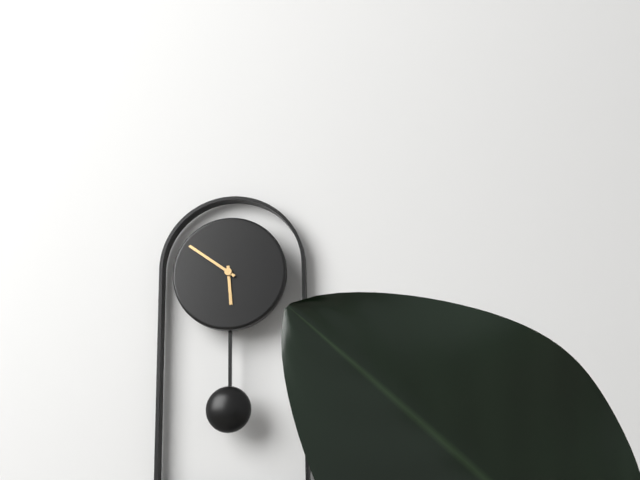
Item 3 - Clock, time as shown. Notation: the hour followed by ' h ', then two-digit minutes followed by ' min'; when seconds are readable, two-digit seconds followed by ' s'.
5 h 51 min
